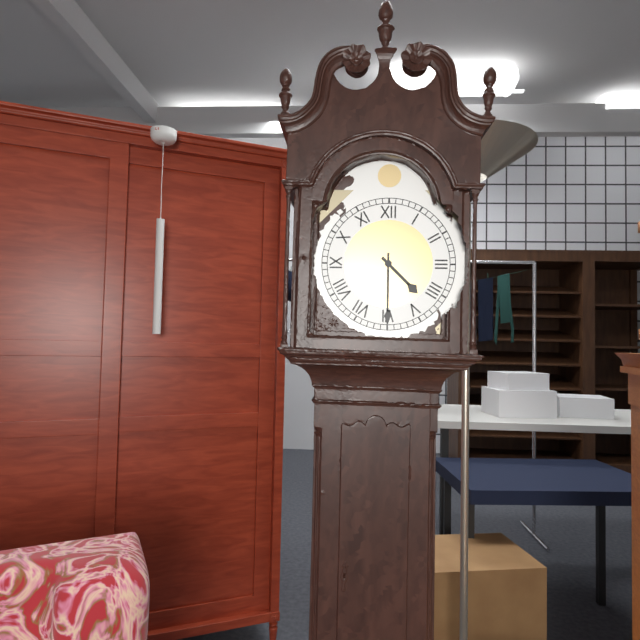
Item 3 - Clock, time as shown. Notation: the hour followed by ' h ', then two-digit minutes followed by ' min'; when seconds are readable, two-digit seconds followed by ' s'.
4 h 30 min
